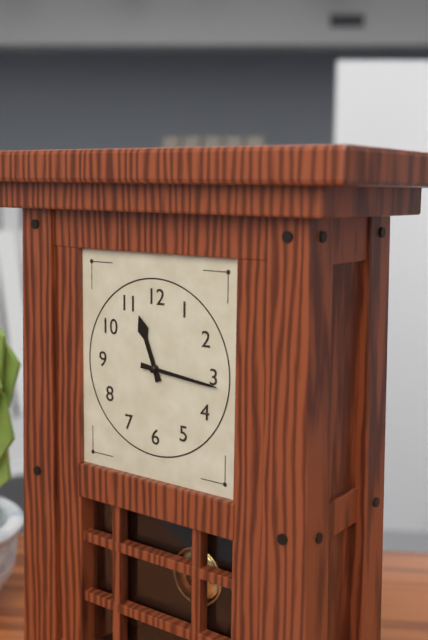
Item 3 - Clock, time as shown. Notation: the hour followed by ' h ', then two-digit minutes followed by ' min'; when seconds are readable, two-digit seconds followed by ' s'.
11 h 16 min
